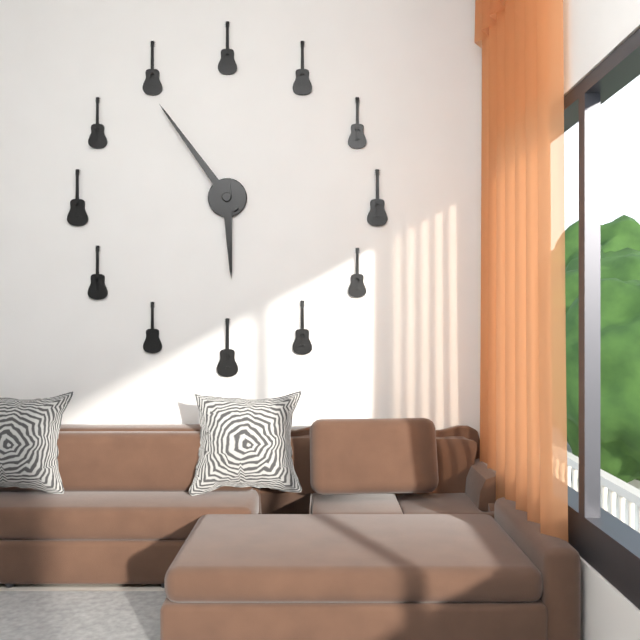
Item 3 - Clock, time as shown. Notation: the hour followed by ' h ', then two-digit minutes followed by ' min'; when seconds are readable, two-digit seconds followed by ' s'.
5 h 54 min
